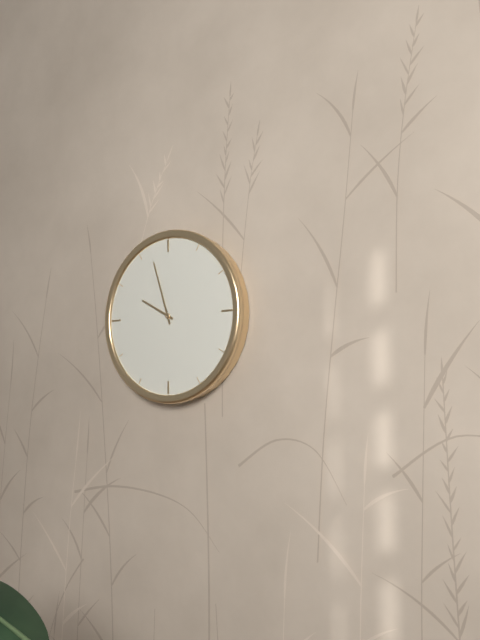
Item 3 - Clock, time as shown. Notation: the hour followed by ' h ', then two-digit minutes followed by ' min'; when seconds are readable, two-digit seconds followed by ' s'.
9 h 57 min
